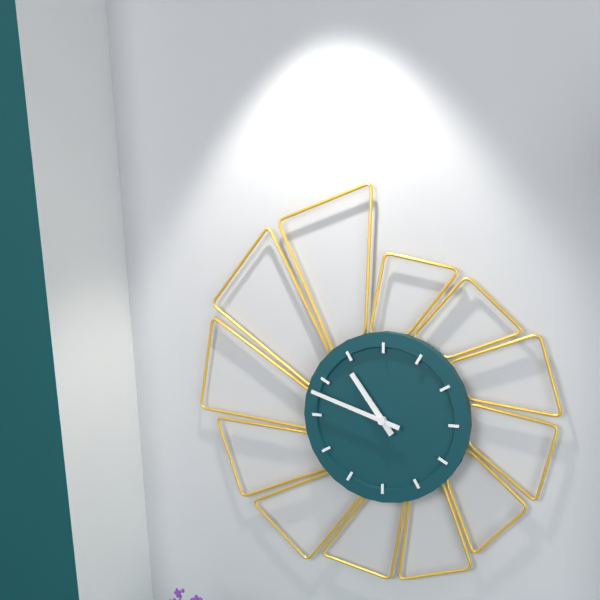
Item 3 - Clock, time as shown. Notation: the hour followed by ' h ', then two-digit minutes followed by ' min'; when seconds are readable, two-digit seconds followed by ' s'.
10 h 48 min
